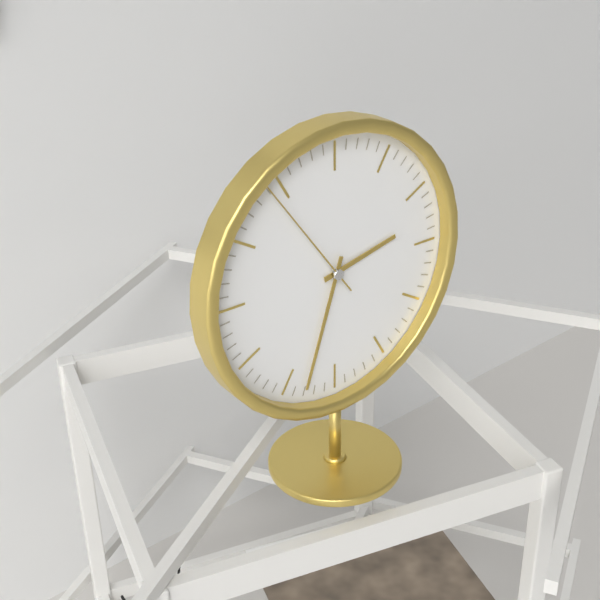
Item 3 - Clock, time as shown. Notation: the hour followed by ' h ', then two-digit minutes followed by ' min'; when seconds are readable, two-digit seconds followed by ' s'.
2 h 33 min 54 s
